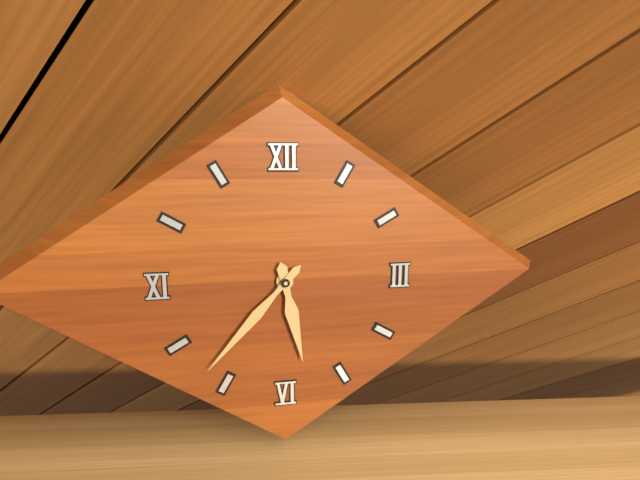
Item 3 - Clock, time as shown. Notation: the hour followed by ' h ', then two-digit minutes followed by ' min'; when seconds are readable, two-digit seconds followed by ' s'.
5 h 37 min
